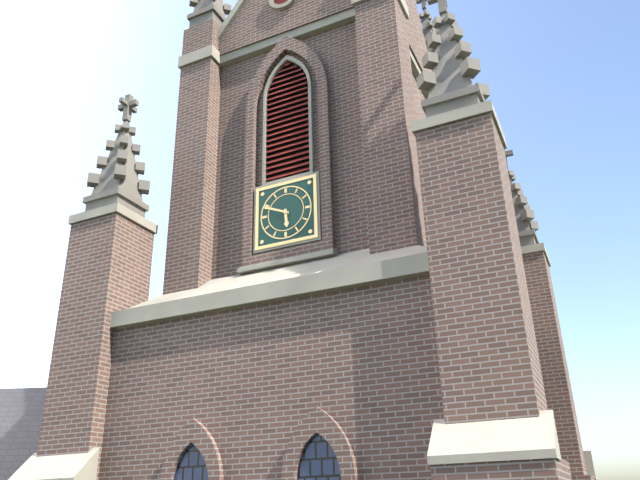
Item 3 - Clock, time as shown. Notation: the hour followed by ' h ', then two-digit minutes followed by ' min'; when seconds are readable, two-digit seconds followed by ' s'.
5 h 49 min
